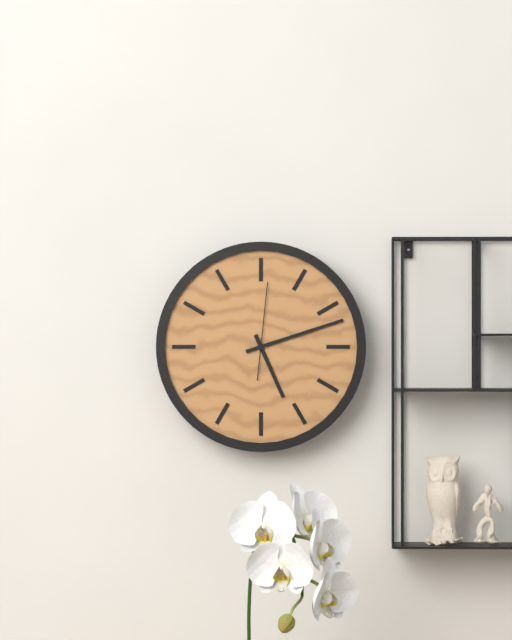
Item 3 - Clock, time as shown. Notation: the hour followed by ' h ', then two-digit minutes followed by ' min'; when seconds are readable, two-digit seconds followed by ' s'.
5 h 12 min 01 s
